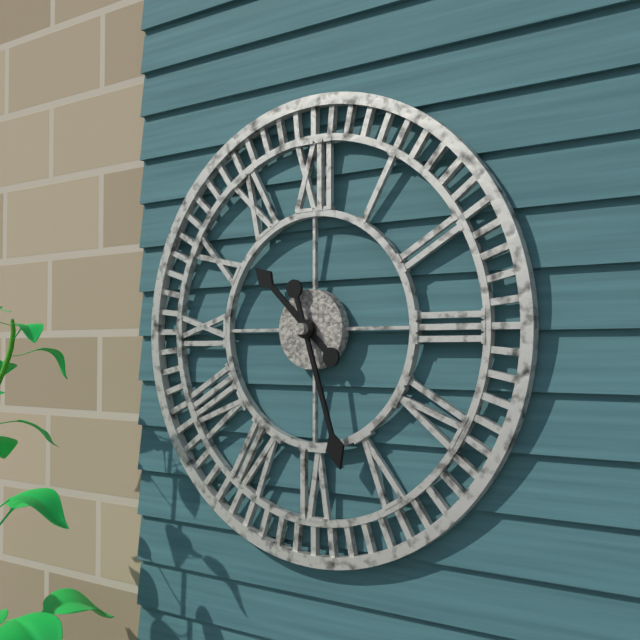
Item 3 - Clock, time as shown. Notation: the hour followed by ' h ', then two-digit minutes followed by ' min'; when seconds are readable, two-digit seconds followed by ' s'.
10 h 27 min
